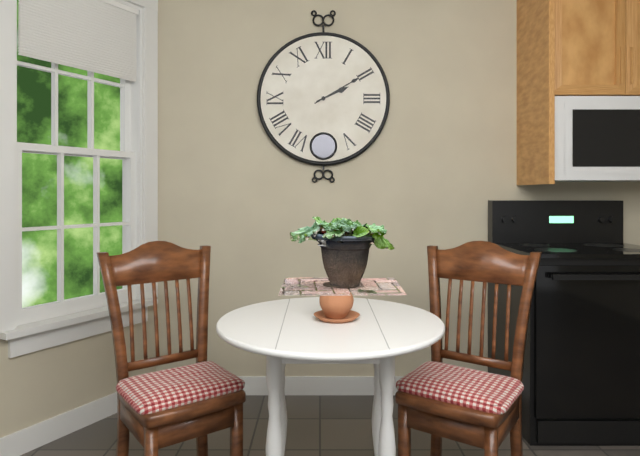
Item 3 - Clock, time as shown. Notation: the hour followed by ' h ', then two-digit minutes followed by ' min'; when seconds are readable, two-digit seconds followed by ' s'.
2 h 10 min
